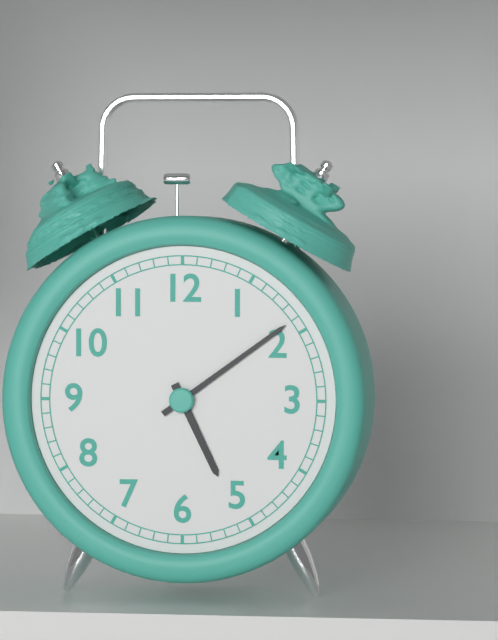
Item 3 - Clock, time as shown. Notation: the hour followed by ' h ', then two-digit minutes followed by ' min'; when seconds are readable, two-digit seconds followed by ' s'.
5 h 09 min
